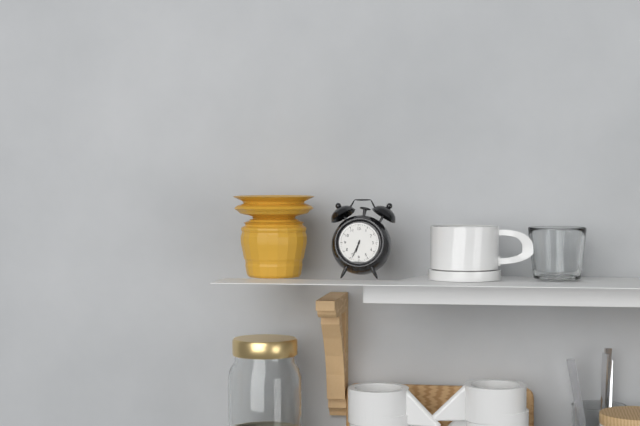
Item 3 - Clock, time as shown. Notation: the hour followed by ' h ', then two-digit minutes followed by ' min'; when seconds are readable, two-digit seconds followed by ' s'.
6 h 34 min
